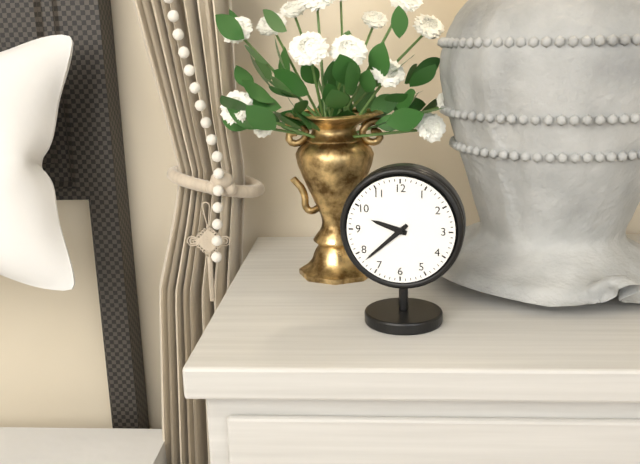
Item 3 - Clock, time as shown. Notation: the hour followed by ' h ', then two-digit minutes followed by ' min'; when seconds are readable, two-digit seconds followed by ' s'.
9 h 38 min
